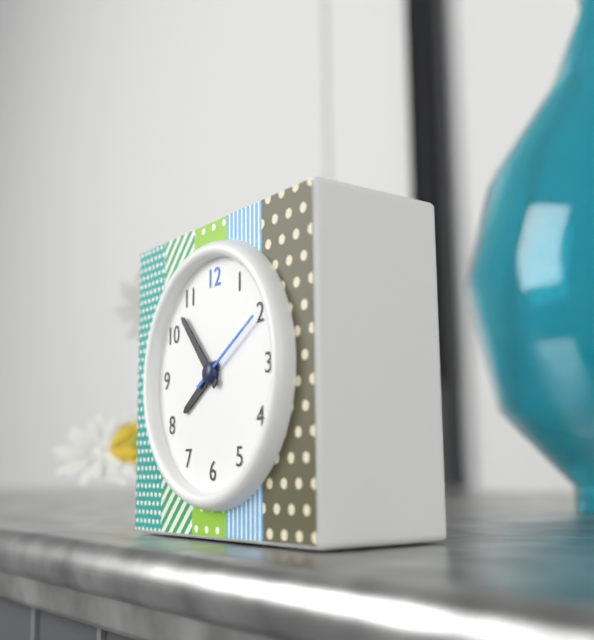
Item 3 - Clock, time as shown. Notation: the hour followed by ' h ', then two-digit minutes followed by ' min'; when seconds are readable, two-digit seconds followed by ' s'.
7 h 53 min 10 s
